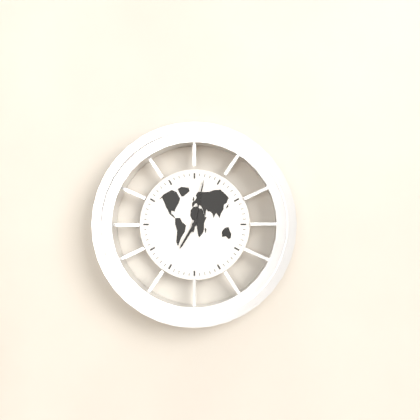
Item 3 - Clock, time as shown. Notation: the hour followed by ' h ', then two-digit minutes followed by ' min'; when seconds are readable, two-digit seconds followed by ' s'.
7 h 02 min
